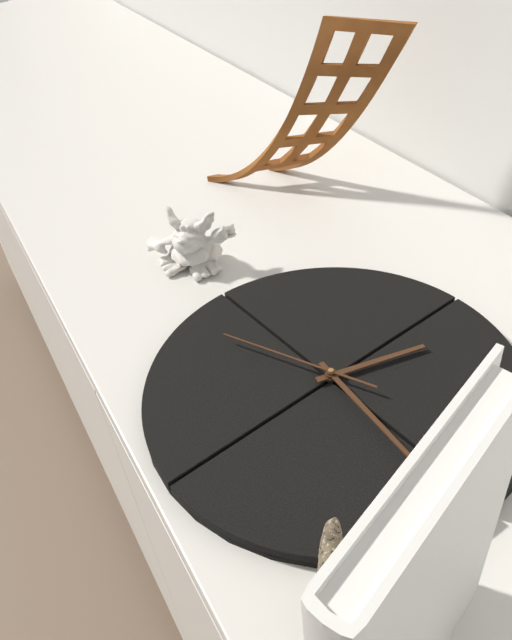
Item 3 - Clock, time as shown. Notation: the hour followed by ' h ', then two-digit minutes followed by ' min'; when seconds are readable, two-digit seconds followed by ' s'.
1 h 20 min 45 s
